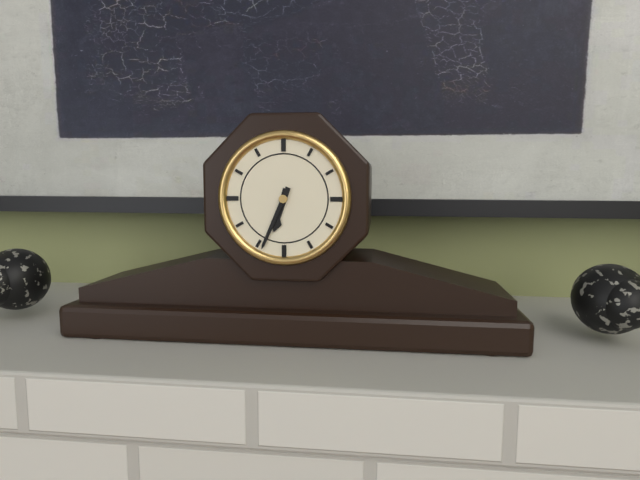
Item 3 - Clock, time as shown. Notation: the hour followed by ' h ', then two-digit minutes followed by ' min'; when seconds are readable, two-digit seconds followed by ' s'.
6 h 34 min
